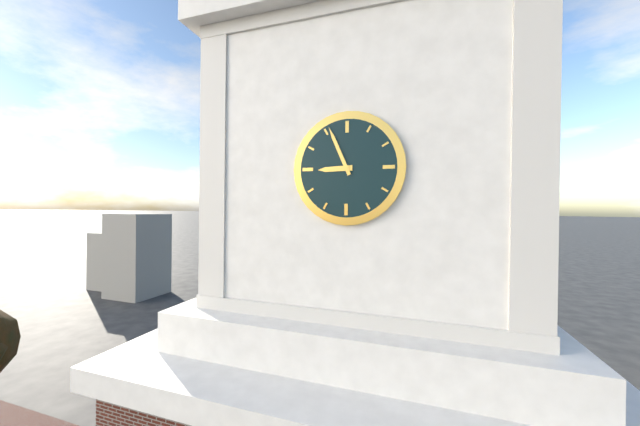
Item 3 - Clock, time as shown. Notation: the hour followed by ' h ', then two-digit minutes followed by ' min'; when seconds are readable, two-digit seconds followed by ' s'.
8 h 56 min
